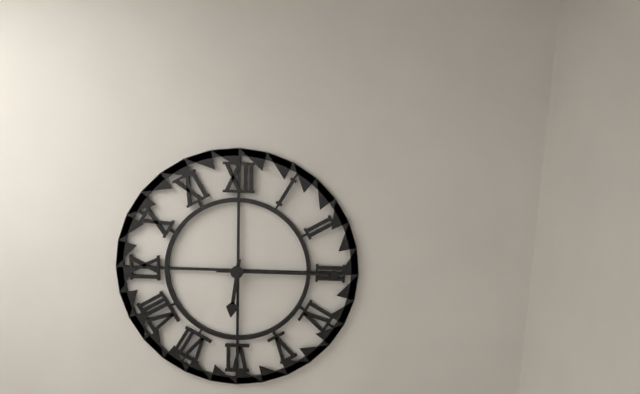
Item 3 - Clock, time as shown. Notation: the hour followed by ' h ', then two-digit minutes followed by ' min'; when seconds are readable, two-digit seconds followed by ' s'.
6 h 15 min
